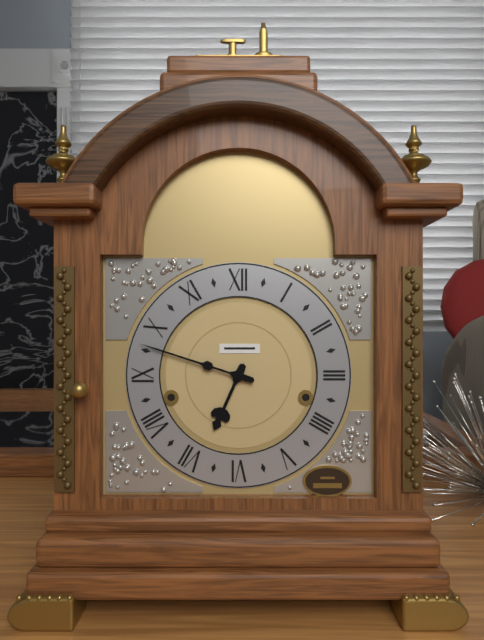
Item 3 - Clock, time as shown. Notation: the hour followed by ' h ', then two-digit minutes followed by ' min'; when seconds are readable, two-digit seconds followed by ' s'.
6 h 48 min
